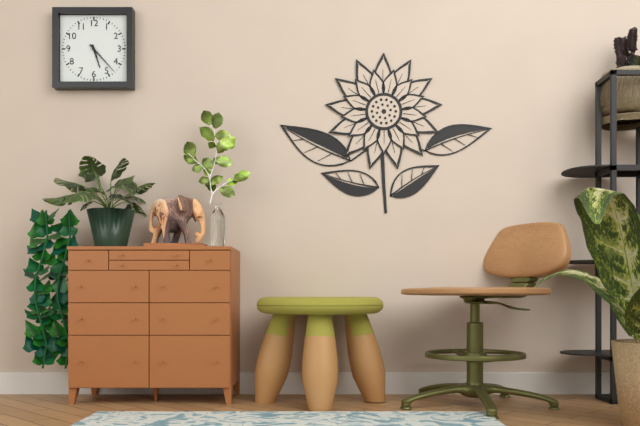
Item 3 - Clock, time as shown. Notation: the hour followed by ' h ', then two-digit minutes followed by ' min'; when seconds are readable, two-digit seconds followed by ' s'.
5 h 23 min
